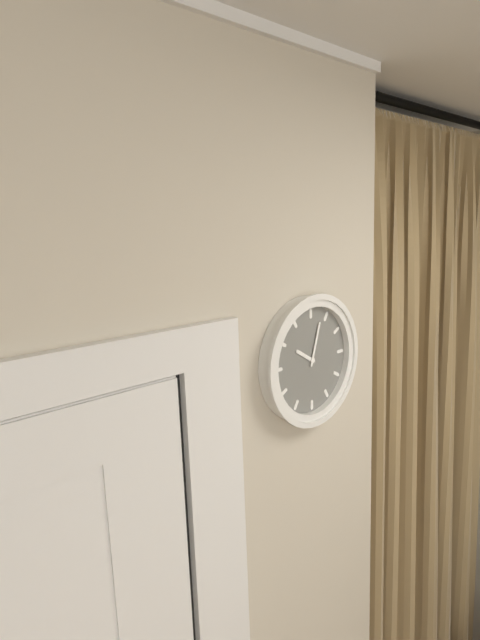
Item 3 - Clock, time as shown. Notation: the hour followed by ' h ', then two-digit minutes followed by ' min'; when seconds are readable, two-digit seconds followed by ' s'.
10 h 03 min
